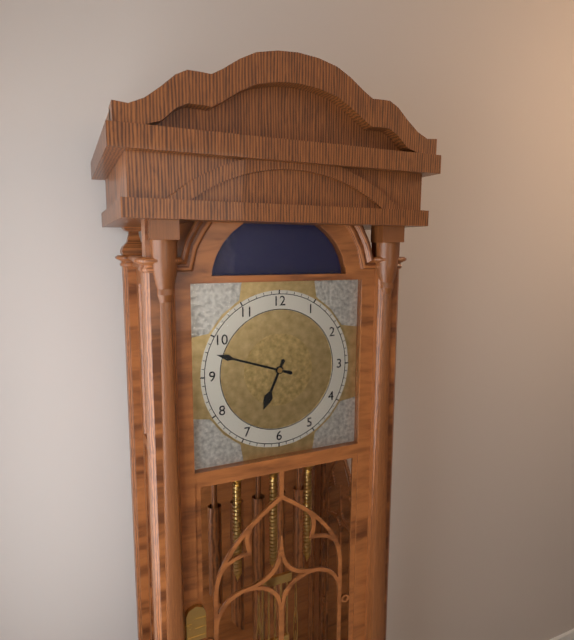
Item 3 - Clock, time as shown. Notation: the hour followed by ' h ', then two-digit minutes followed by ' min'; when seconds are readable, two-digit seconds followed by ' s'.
6 h 48 min
